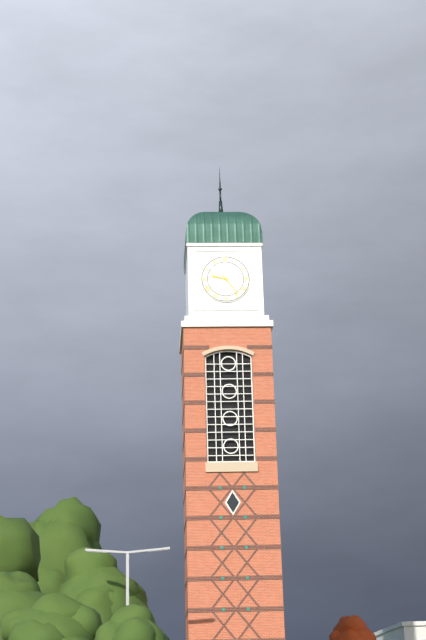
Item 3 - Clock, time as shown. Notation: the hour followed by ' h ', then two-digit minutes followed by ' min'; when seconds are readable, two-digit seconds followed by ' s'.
9 h 24 min
